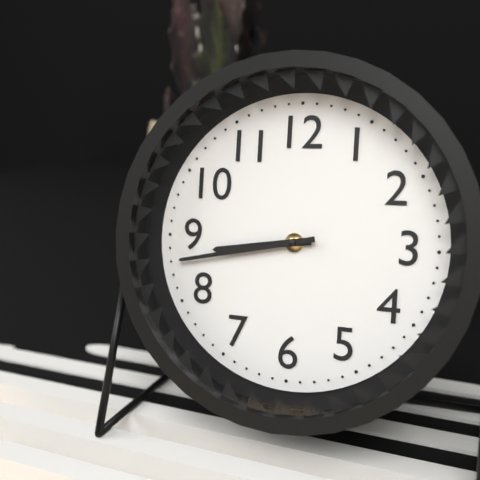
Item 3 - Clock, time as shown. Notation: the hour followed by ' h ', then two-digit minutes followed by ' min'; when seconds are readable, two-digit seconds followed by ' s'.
8 h 43 min
